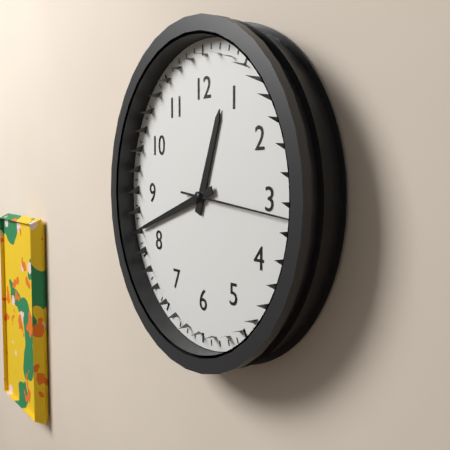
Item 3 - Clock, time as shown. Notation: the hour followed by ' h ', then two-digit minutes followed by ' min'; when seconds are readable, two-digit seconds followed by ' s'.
12 h 42 min 16 s
